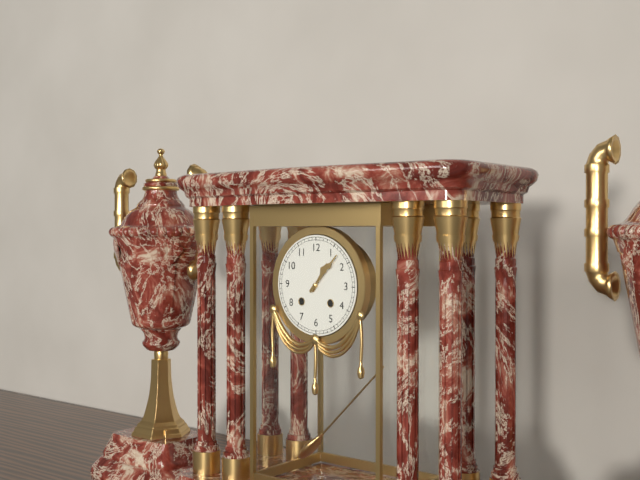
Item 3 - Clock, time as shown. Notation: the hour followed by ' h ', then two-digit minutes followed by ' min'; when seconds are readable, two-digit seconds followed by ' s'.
1 h 07 min
